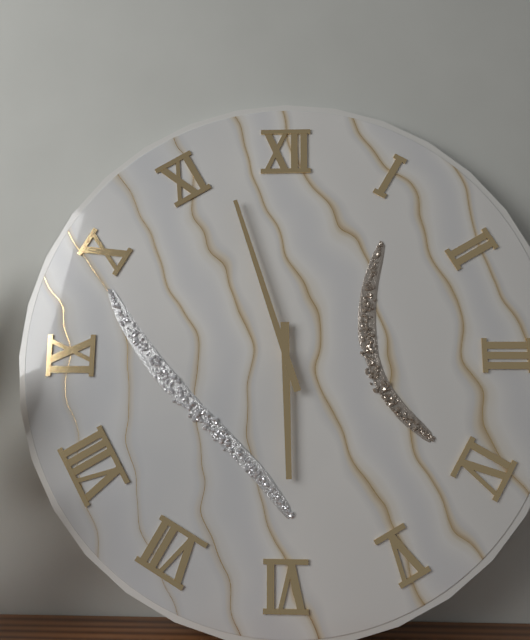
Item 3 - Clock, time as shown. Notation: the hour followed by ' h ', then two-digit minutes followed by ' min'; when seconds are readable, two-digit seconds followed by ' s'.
5 h 57 min
